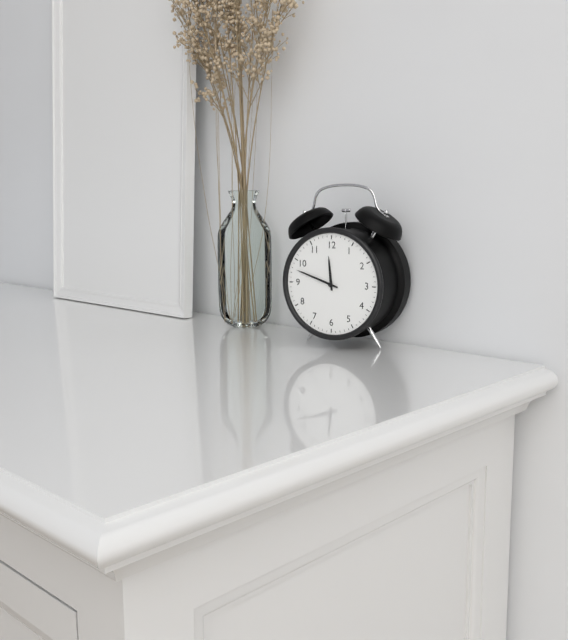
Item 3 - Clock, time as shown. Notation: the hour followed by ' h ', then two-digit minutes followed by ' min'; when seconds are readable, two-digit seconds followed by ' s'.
11 h 48 min
